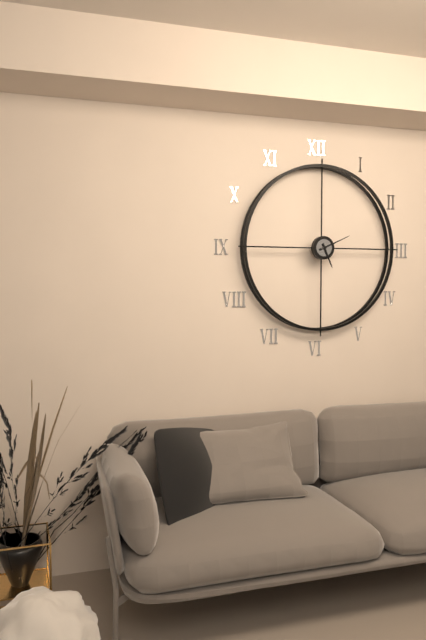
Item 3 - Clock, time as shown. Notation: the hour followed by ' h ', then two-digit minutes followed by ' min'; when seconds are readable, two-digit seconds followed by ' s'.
5 h 11 min
